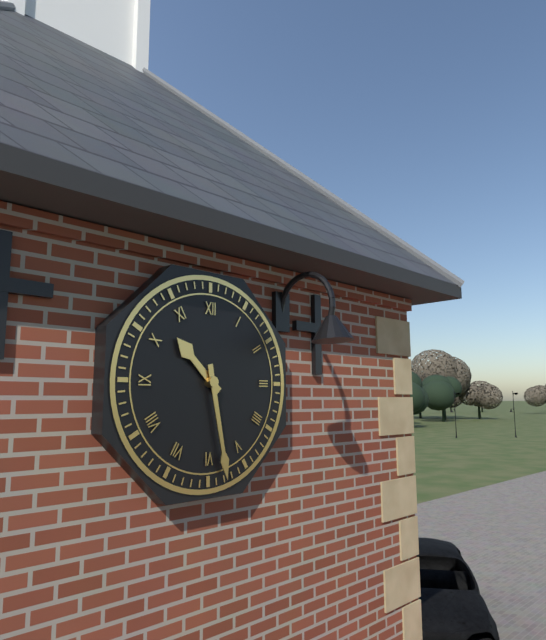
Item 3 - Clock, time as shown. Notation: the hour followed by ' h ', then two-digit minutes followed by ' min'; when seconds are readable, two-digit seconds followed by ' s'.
10 h 28 min
